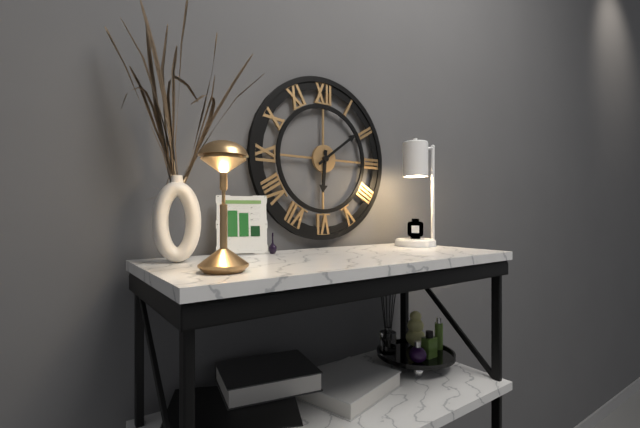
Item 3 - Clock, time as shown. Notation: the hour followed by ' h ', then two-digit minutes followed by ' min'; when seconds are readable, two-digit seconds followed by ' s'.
6 h 09 min
